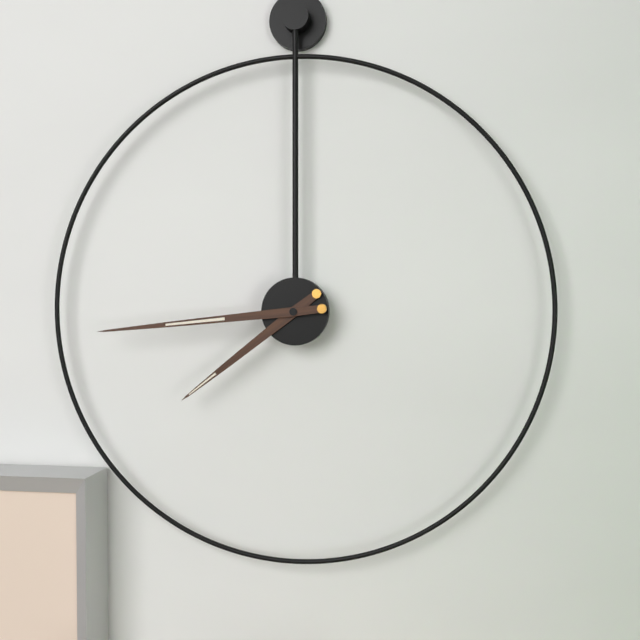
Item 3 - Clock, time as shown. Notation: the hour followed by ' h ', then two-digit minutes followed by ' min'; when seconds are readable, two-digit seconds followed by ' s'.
7 h 44 min
